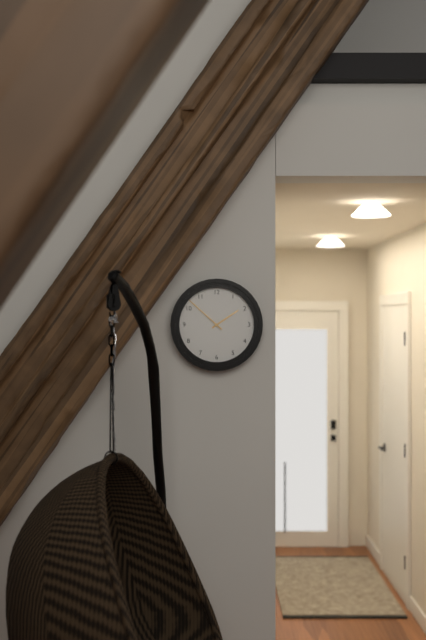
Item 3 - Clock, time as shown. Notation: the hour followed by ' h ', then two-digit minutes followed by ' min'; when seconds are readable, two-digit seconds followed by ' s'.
1 h 52 min
